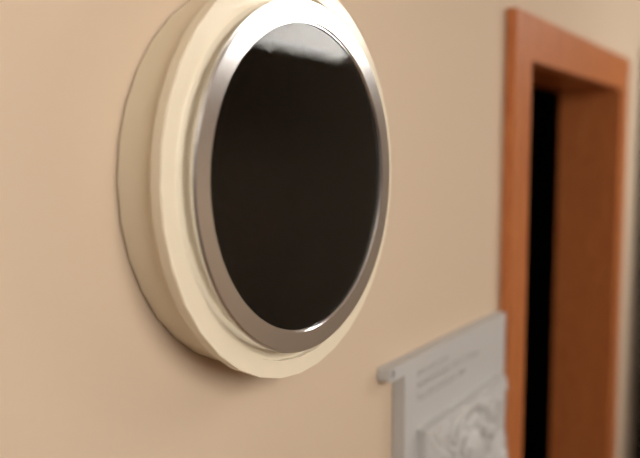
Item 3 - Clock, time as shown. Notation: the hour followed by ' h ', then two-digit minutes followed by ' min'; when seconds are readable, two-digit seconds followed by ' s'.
3 h 22 min
